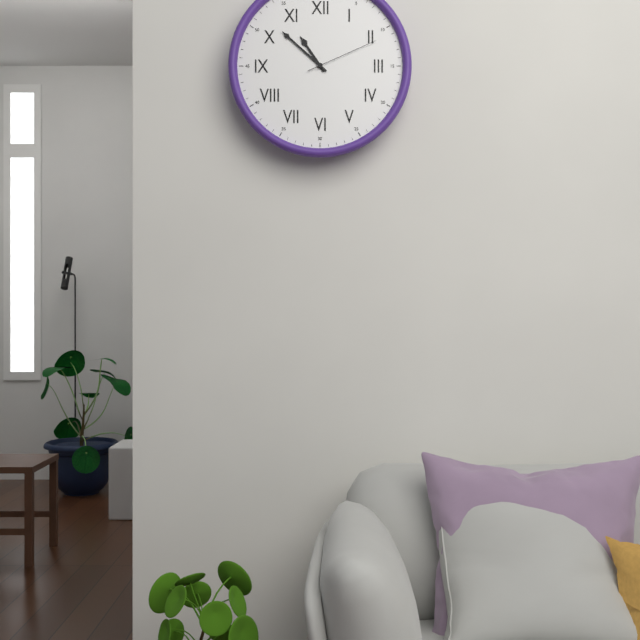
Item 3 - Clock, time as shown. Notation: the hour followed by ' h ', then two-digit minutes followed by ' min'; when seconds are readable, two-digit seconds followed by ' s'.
10 h 52 min 11 s
